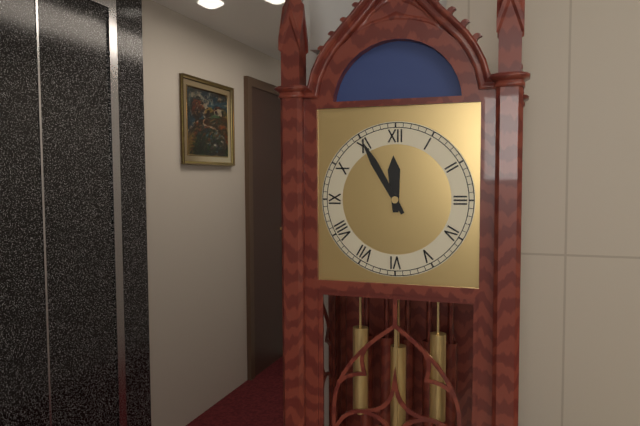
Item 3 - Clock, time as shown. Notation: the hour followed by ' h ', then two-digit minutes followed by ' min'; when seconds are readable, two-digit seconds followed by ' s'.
11 h 55 min
